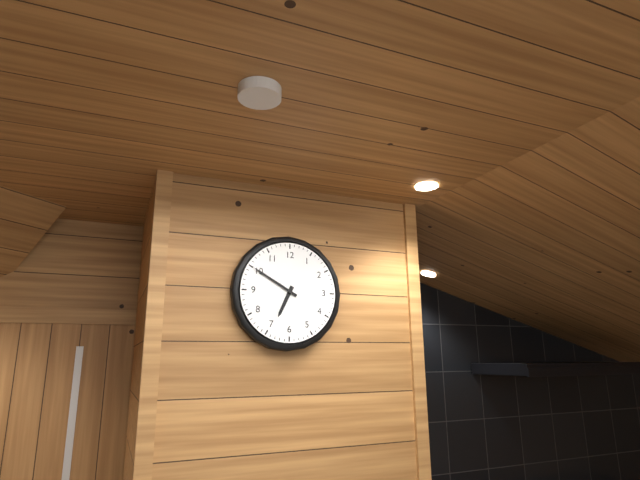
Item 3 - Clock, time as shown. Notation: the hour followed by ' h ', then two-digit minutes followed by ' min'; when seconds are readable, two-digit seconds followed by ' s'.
6 h 50 min
